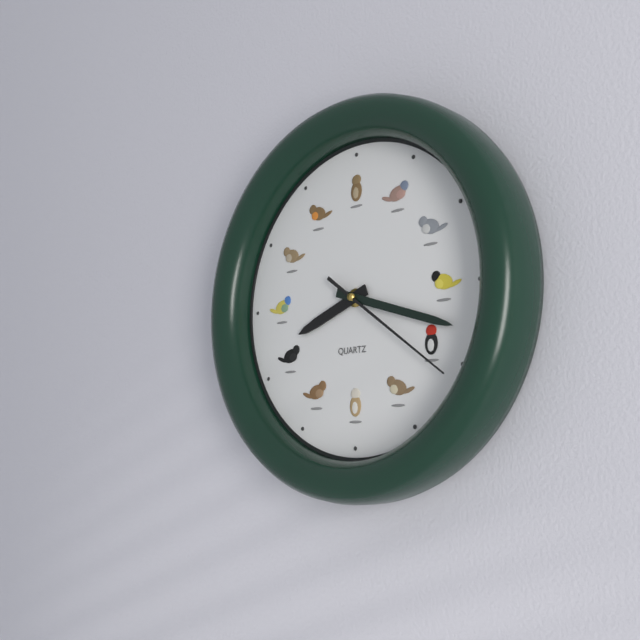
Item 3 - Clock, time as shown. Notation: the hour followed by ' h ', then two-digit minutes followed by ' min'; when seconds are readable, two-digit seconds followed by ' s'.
8 h 18 min 21 s
